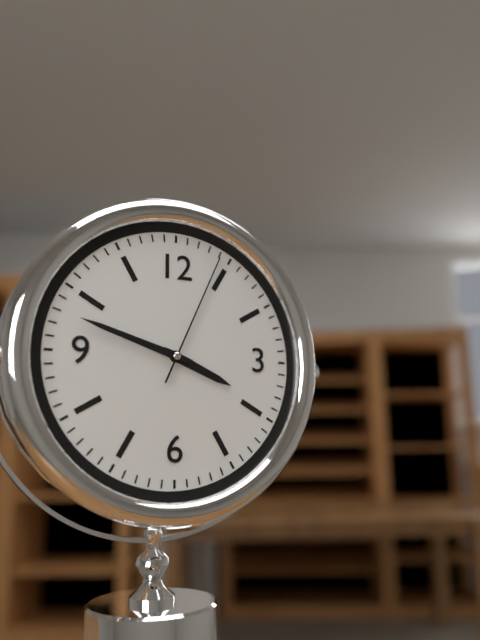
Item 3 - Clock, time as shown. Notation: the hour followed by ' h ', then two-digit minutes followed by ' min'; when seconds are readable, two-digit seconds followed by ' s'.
3 h 48 min 04 s
